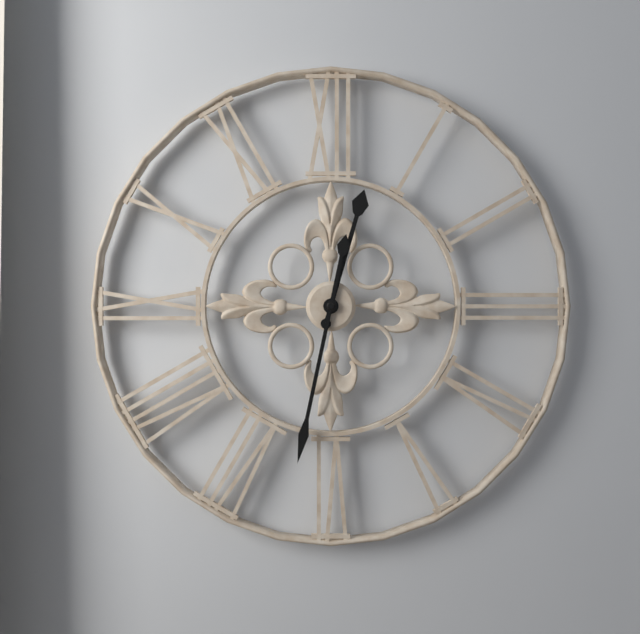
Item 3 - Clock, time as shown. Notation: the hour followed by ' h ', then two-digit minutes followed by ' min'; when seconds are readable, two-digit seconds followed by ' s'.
12 h 32 min
